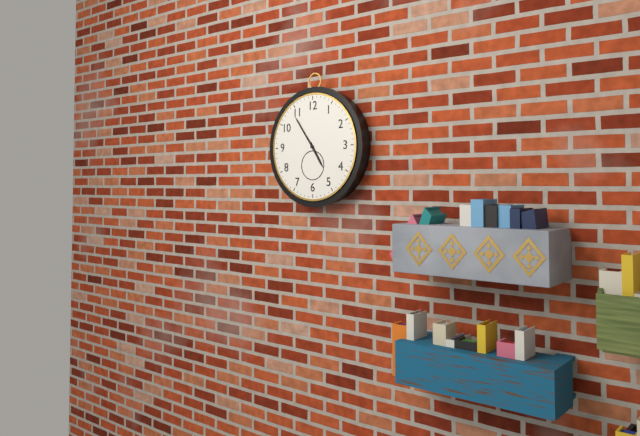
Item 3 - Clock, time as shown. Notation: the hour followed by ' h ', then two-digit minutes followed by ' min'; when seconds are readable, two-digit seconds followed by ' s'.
4 h 54 min
